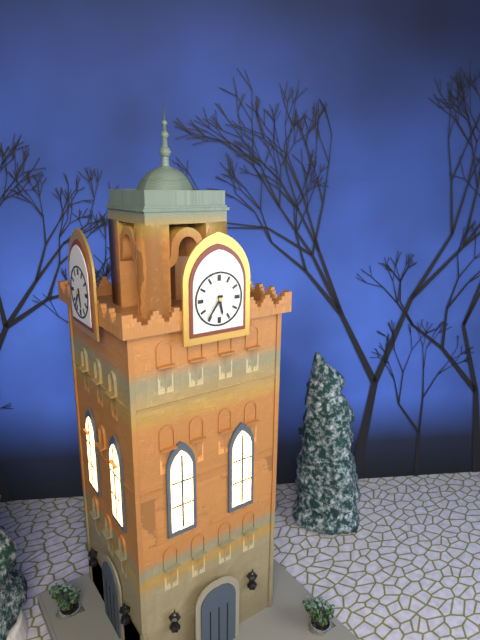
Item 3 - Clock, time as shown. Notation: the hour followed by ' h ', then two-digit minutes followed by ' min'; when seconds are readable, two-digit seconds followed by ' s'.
5 h 36 min
